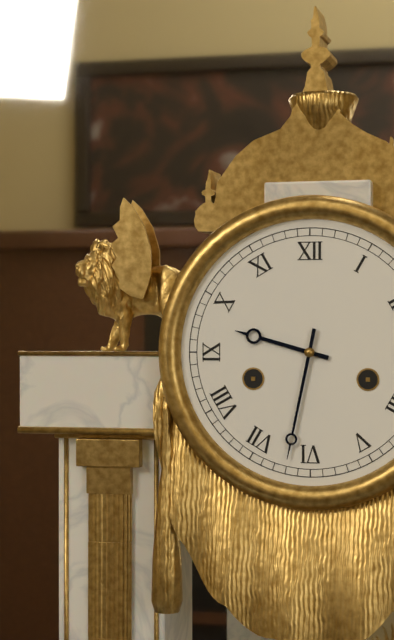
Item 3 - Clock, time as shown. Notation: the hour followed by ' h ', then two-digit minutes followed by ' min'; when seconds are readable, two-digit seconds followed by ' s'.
9 h 32 min
